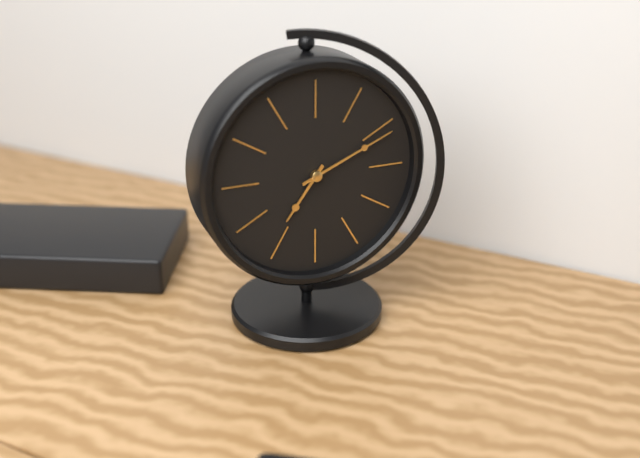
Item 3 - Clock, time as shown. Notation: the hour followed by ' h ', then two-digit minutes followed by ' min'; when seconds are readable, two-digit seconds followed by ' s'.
7 h 11 min
